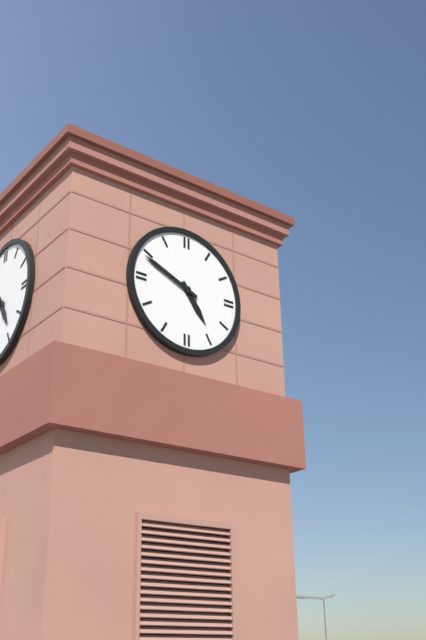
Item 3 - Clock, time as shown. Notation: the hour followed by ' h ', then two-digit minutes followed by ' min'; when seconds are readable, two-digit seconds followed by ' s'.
4 h 49 min
